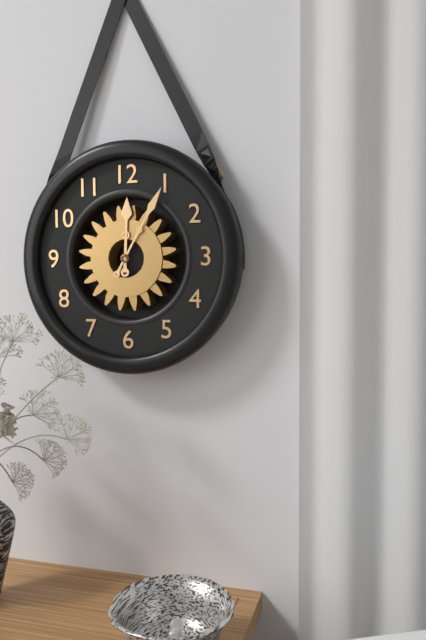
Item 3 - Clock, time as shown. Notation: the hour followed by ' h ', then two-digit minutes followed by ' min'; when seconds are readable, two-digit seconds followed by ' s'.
12 h 05 min
